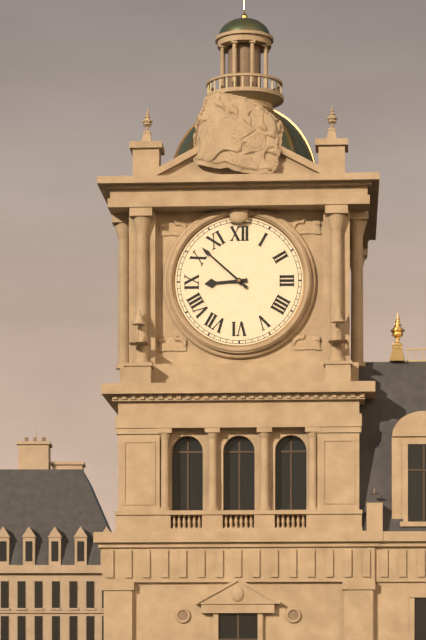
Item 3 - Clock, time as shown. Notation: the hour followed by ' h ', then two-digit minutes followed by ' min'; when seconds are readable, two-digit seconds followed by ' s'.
8 h 52 min
